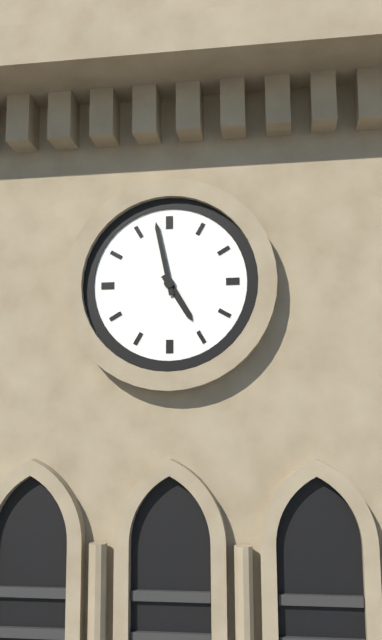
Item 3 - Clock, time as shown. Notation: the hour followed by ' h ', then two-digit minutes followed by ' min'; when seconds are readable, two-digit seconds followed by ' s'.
4 h 58 min
